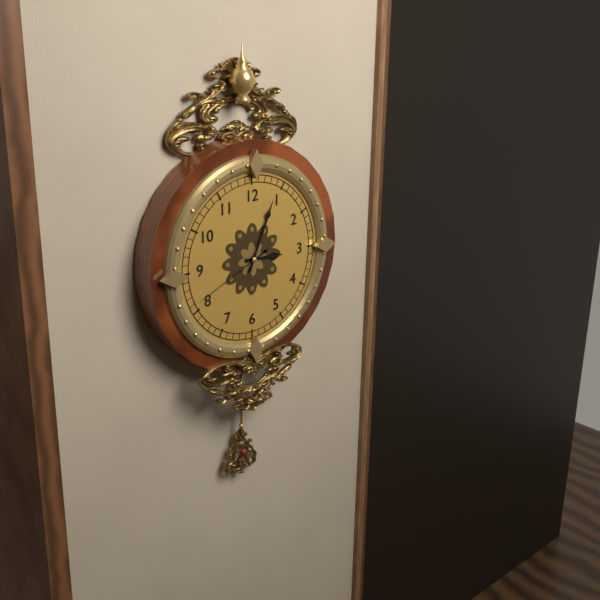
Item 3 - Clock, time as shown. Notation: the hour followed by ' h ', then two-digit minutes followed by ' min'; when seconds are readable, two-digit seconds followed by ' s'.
3 h 04 min 41 s
